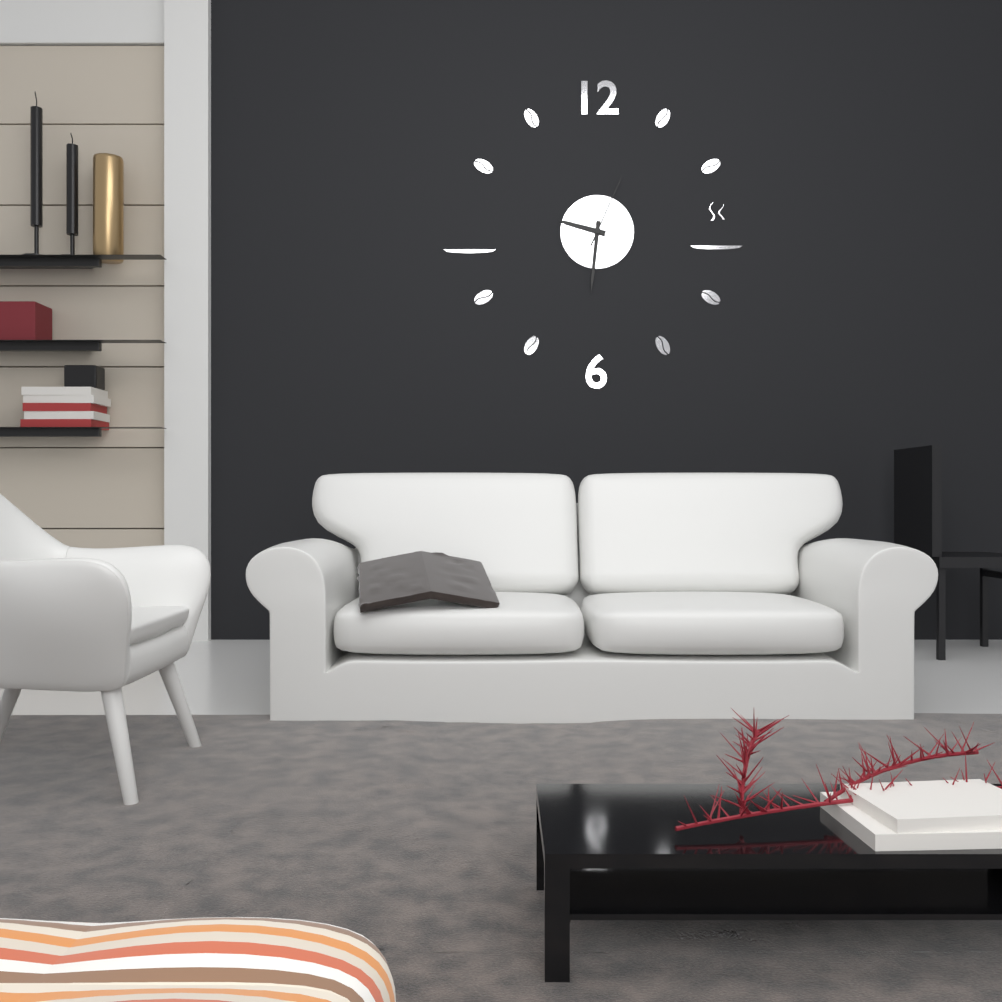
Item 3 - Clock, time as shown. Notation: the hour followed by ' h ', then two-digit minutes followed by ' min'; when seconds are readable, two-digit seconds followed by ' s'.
9 h 31 min 04 s
